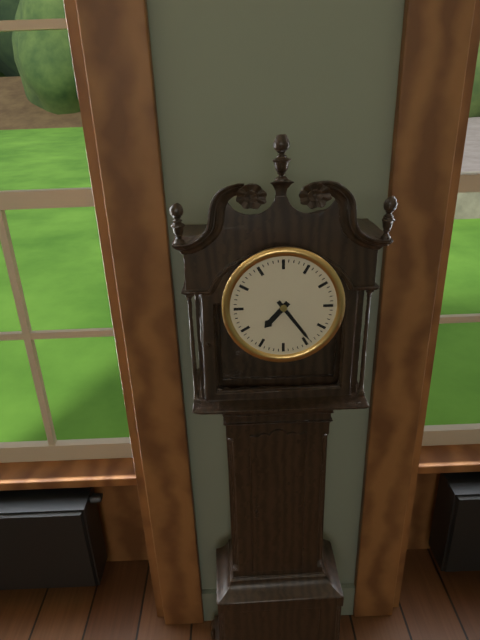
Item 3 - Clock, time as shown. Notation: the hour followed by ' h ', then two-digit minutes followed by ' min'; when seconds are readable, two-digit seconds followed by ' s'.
7 h 24 min
